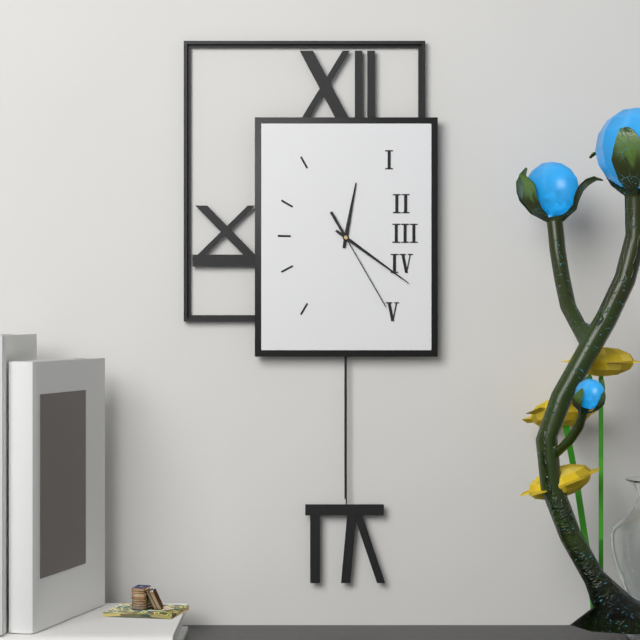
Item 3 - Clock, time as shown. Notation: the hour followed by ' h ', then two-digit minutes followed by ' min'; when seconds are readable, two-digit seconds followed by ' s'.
12 h 21 min 25 s
